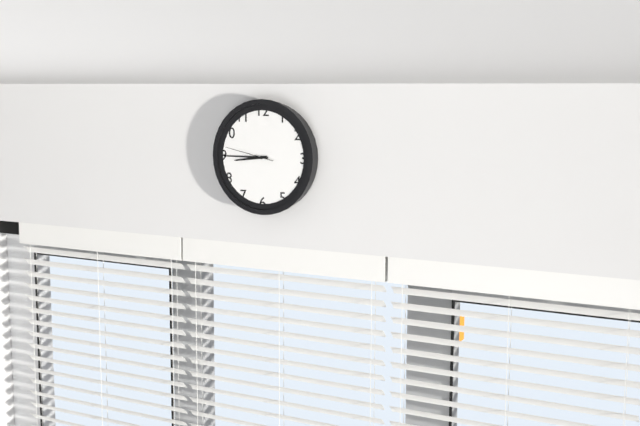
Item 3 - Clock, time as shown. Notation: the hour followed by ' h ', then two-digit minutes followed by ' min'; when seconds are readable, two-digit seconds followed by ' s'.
8 h 45 min
